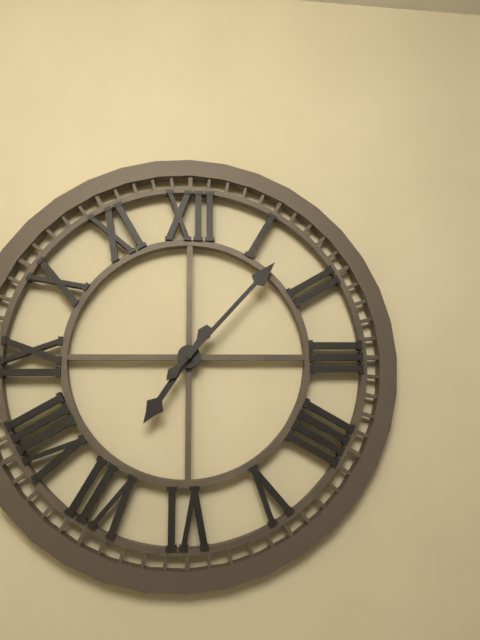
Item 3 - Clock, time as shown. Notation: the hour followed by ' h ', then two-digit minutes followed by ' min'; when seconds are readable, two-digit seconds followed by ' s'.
7 h 07 min
